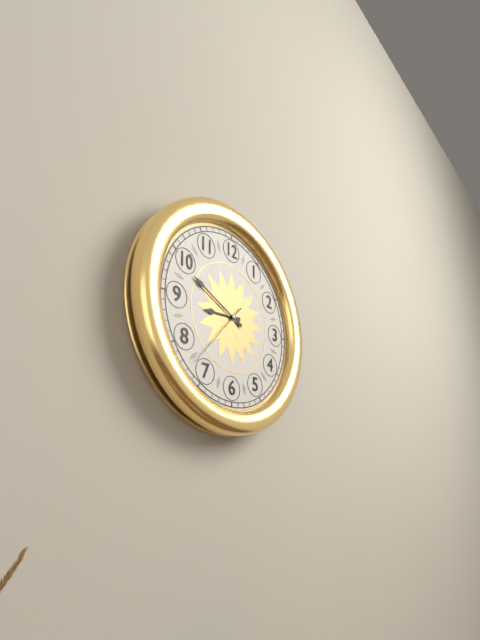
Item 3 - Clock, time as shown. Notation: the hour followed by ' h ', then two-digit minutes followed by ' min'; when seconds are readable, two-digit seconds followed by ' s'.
8 h 49 min 37 s
